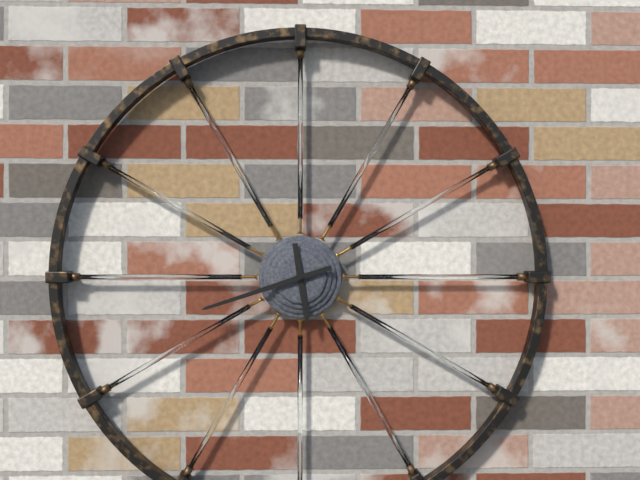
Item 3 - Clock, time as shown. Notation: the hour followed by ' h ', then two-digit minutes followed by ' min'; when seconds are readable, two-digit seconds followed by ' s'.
5 h 42 min
